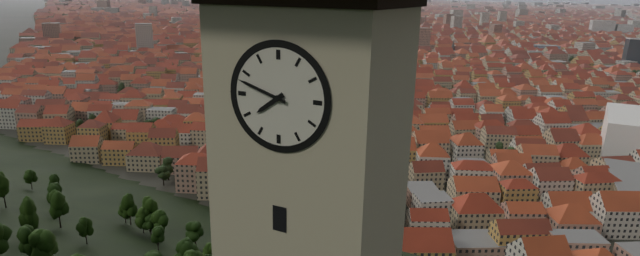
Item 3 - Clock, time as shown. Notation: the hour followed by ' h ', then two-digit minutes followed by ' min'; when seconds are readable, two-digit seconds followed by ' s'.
7 h 48 min
